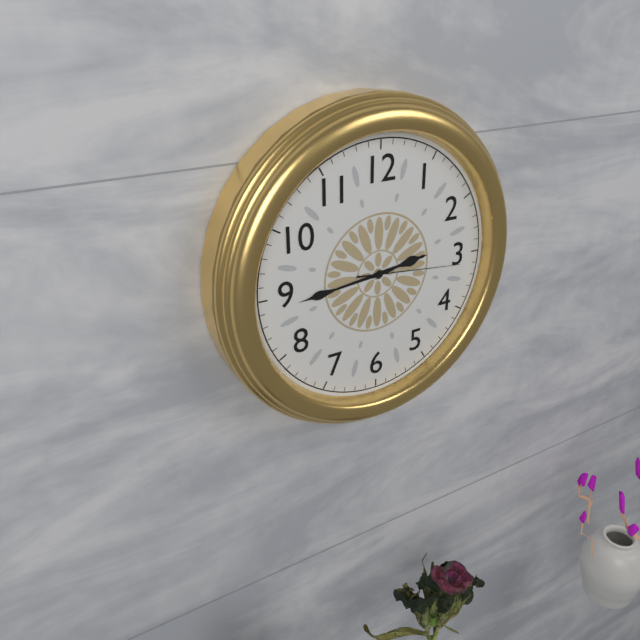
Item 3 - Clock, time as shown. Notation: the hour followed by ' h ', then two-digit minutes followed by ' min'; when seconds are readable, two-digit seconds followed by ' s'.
2 h 44 min 16 s
